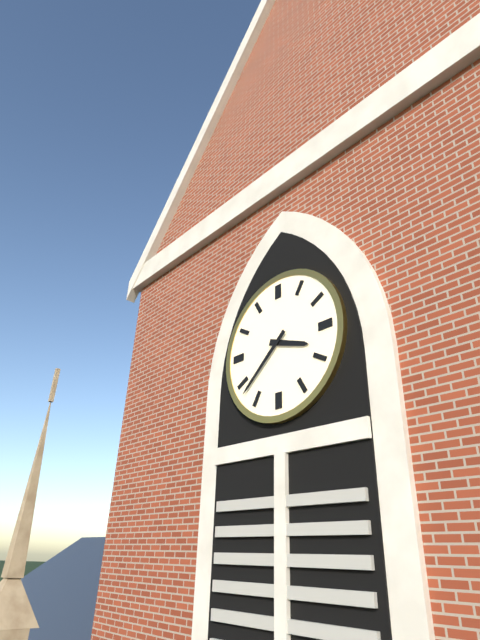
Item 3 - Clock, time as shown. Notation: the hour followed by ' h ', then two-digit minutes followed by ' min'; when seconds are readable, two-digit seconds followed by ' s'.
3 h 38 min
